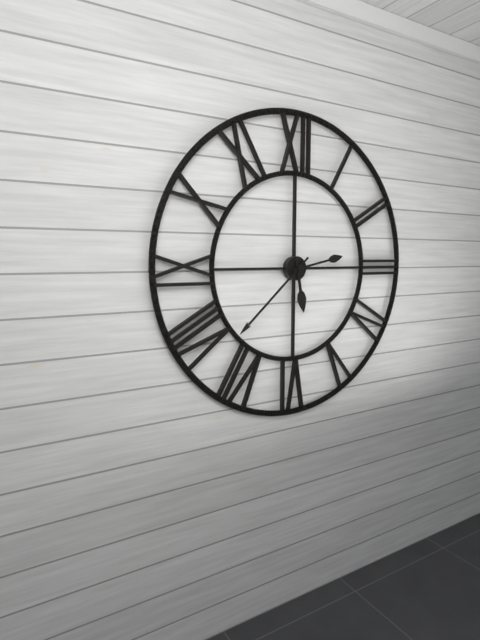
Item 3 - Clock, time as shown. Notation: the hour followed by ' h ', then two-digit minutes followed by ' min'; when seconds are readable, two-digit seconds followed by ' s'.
5 h 38 min 13 s
